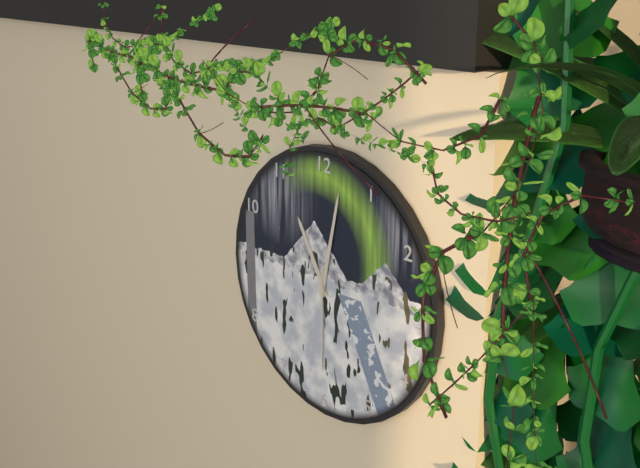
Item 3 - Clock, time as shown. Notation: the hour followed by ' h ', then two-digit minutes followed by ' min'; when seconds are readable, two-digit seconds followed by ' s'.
11 h 02 min 30 s
